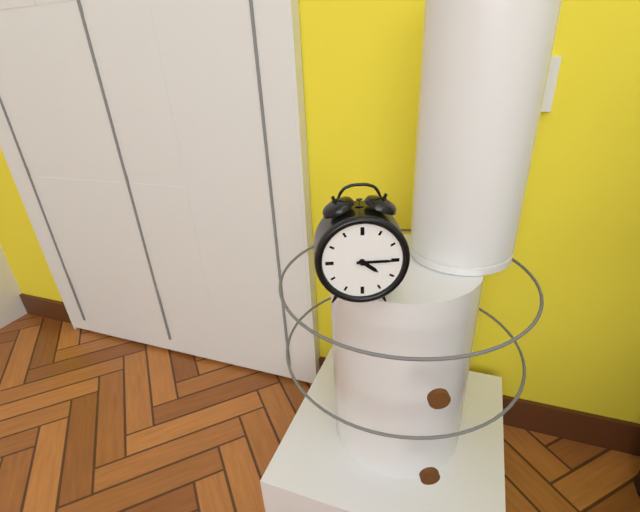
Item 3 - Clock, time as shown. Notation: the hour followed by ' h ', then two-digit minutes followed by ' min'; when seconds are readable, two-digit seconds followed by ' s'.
4 h 15 min
